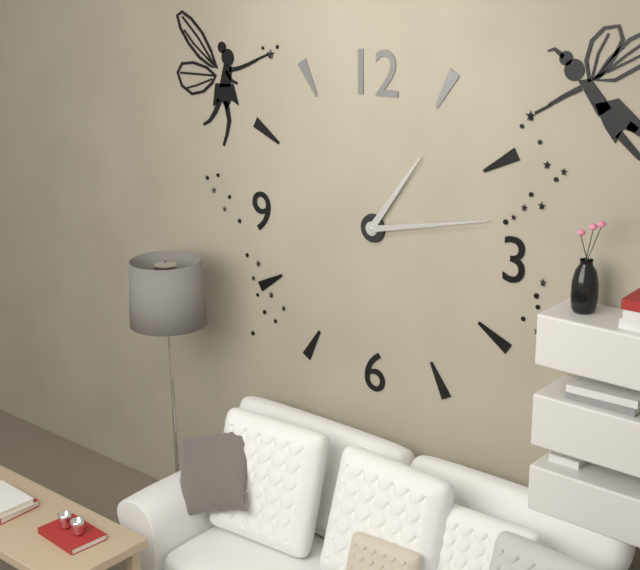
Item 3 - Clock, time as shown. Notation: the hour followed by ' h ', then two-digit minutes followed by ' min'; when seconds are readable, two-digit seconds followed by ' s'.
1 h 13 min
